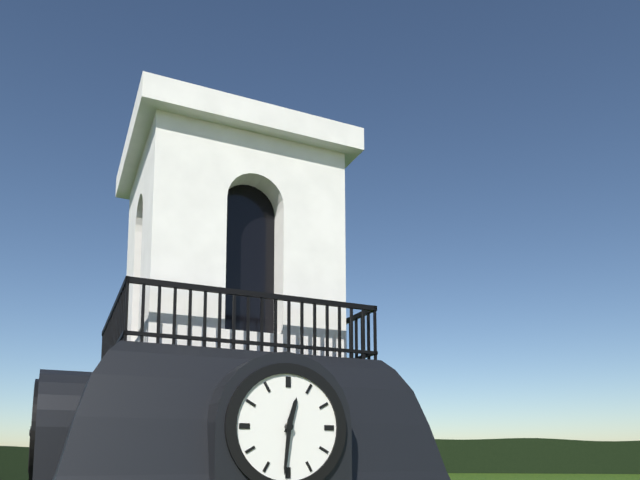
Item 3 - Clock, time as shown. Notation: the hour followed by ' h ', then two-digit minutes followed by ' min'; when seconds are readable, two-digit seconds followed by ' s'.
12 h 31 min
